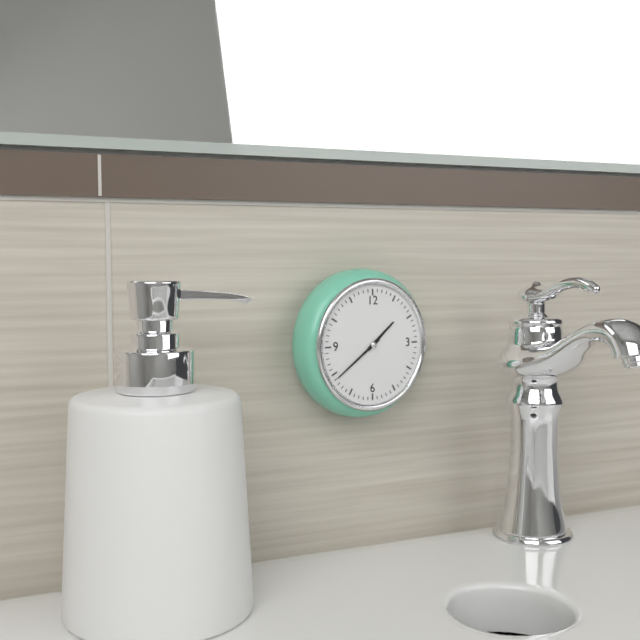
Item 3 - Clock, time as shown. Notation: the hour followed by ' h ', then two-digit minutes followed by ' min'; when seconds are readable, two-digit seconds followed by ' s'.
1 h 39 min
